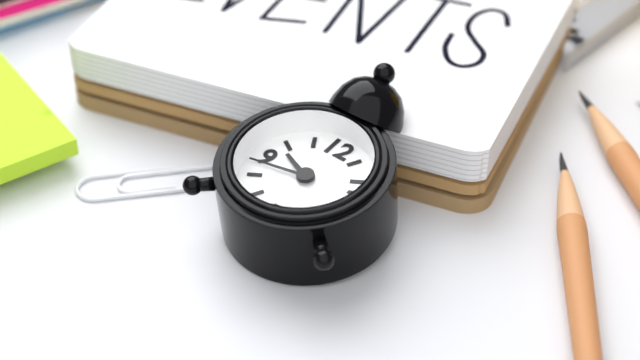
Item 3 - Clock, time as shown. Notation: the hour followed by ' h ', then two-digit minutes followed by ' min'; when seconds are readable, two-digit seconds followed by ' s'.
9 h 43 min
